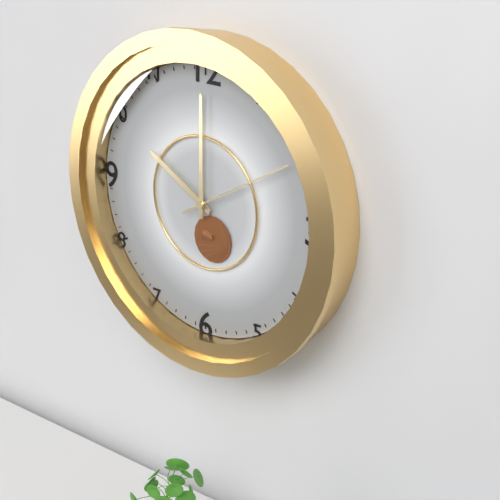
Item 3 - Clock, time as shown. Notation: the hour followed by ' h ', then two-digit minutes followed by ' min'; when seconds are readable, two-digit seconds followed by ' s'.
10 h 00 min 10 s
